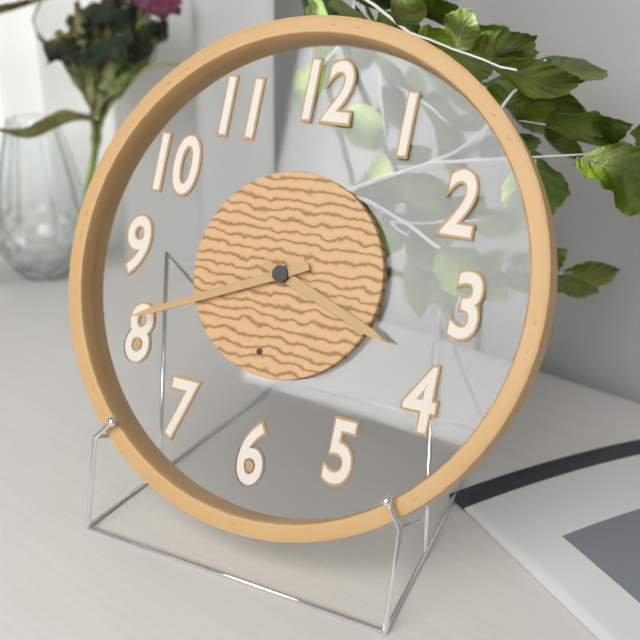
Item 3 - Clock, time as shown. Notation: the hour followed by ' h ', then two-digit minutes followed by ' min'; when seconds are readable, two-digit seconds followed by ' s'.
3 h 41 min
